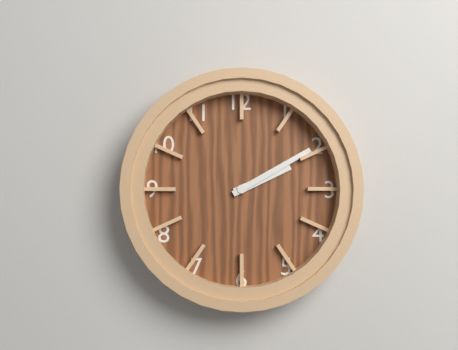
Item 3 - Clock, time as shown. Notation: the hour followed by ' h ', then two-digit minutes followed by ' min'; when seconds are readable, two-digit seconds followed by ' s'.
2 h 10 min
